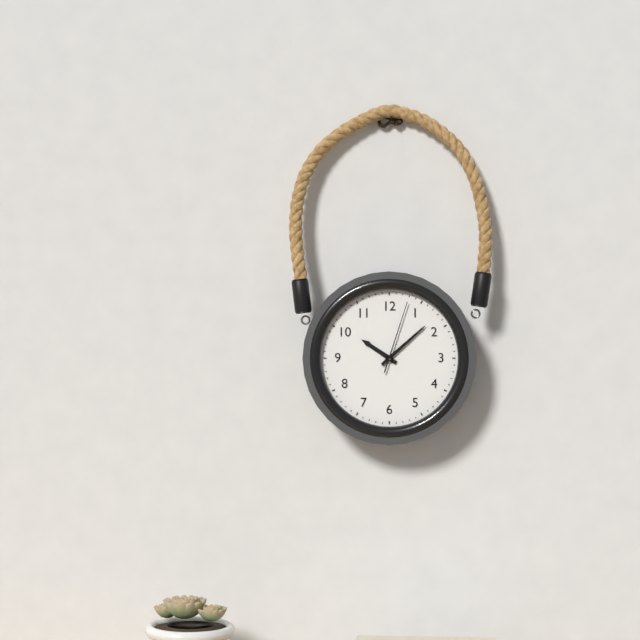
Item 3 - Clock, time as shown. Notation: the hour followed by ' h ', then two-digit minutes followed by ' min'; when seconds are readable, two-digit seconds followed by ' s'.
10 h 08 min 03 s
